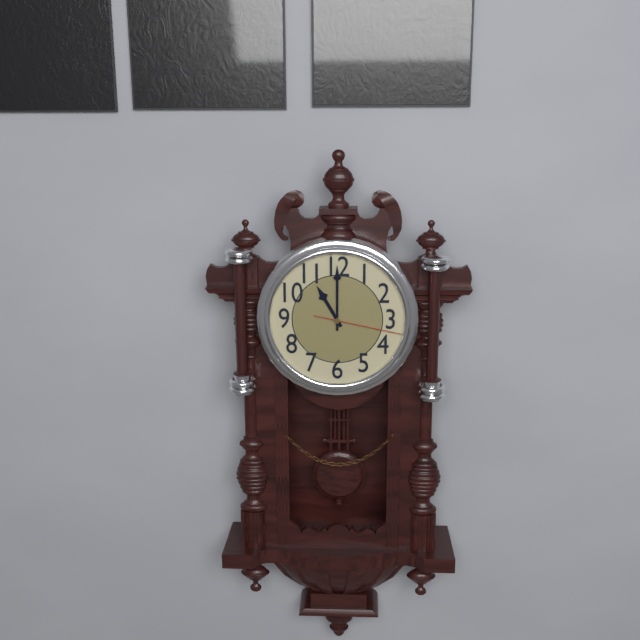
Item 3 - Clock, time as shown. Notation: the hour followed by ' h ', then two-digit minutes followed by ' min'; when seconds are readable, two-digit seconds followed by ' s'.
11 h 00 min 17 s
